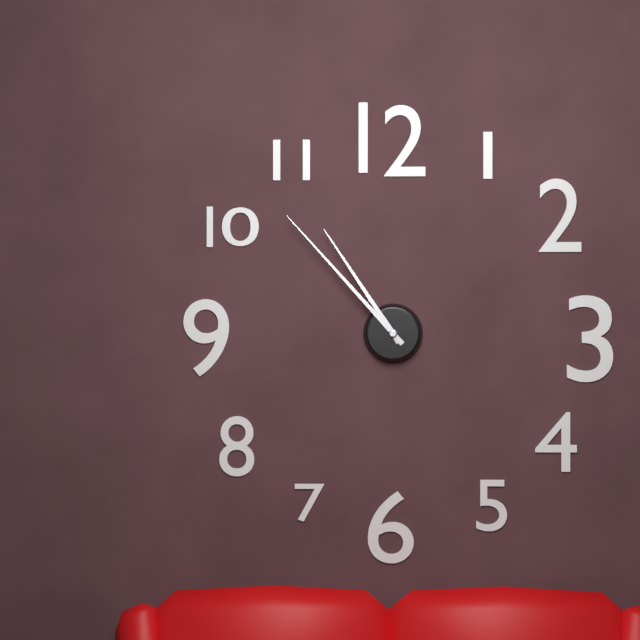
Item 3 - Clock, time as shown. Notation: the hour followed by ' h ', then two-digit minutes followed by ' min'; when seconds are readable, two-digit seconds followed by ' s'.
10 h 53 min
